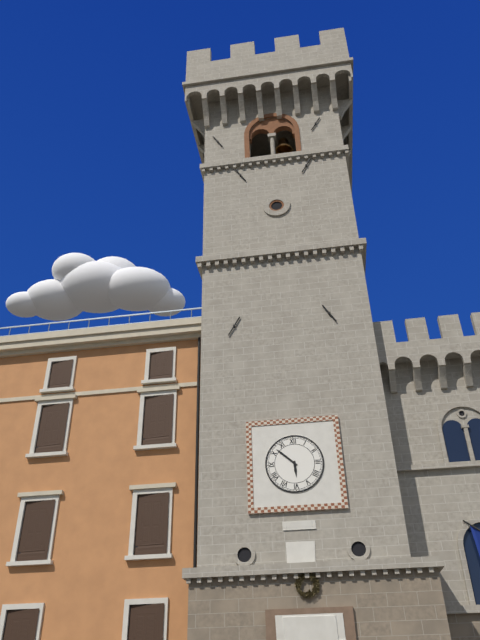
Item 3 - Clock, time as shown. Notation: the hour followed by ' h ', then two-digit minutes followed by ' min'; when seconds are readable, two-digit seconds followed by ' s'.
5 h 52 min
